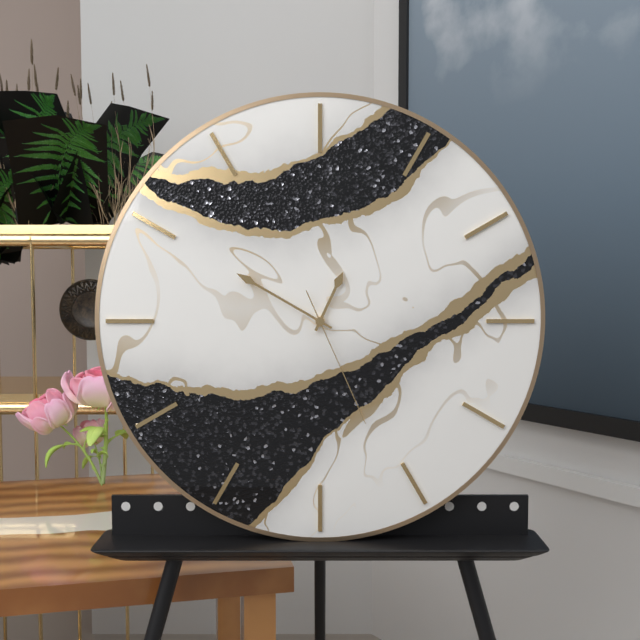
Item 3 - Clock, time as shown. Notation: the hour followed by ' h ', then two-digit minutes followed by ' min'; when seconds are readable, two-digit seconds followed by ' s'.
12 h 50 min 26 s
